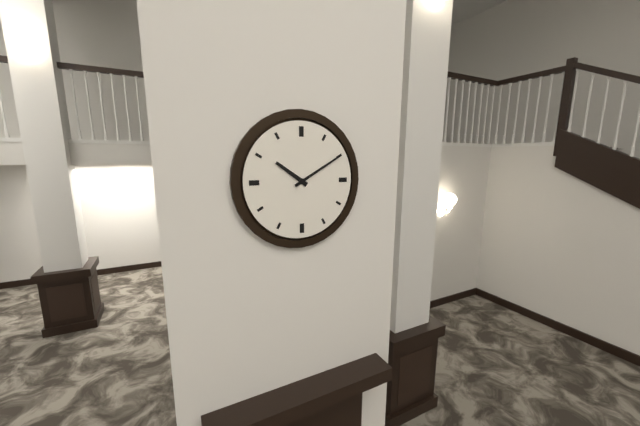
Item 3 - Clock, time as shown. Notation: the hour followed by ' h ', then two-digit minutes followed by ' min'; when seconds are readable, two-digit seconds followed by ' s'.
10 h 10 min
